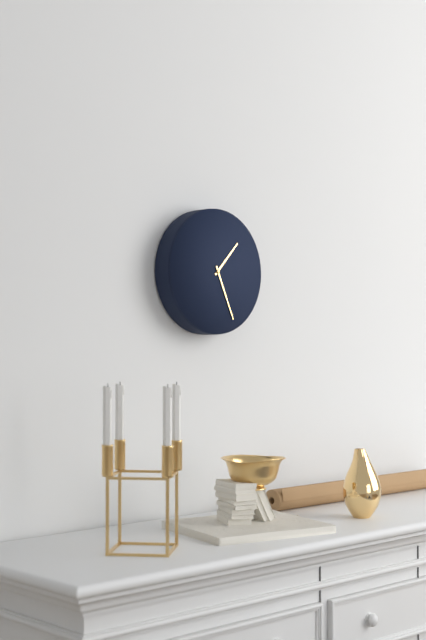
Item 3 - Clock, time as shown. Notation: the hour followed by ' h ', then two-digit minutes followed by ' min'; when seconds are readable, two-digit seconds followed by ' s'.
1 h 26 min
